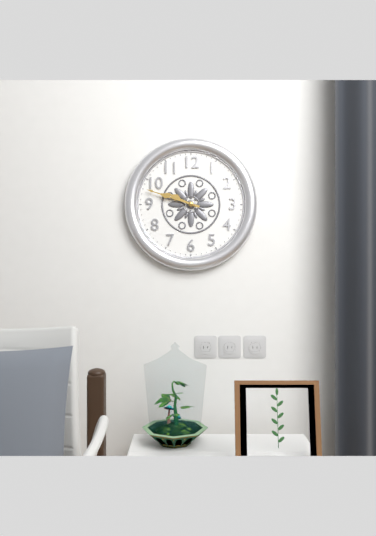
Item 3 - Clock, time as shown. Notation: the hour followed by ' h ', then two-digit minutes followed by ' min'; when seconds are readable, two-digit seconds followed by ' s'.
9 h 48 min
